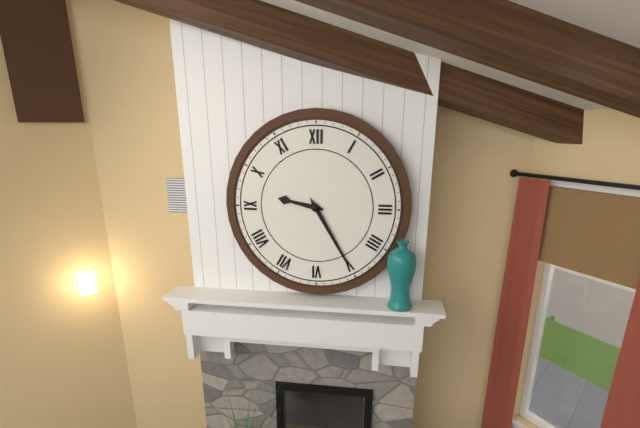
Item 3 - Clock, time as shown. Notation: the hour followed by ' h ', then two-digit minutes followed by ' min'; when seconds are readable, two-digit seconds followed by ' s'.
9 h 25 min
